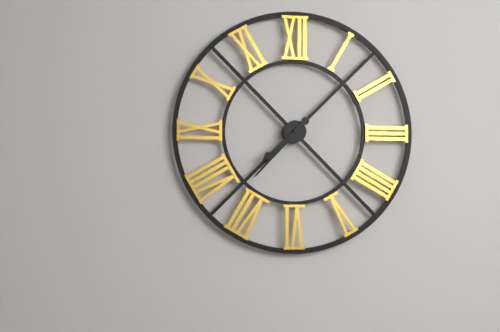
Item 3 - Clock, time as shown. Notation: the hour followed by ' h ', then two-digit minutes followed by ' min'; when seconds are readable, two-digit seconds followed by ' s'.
7 h 37 min
